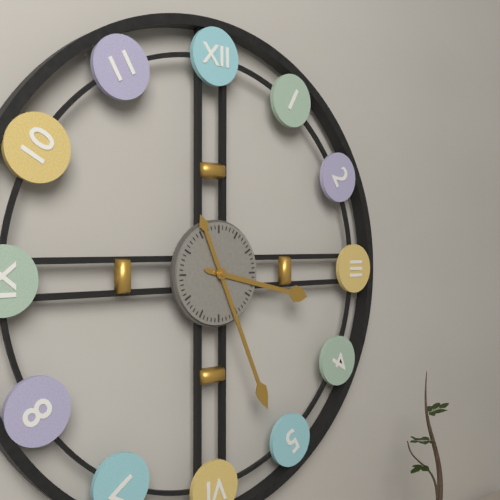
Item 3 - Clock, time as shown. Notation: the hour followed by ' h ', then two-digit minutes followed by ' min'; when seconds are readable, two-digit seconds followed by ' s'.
3 h 26 min
